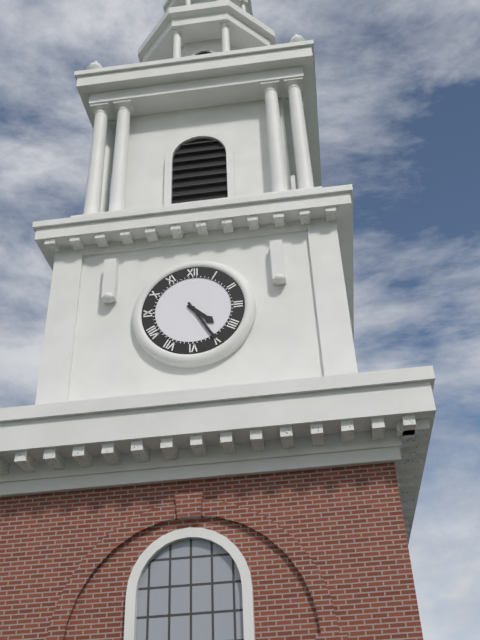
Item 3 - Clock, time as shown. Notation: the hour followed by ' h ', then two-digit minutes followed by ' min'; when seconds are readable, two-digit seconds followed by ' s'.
4 h 25 min
